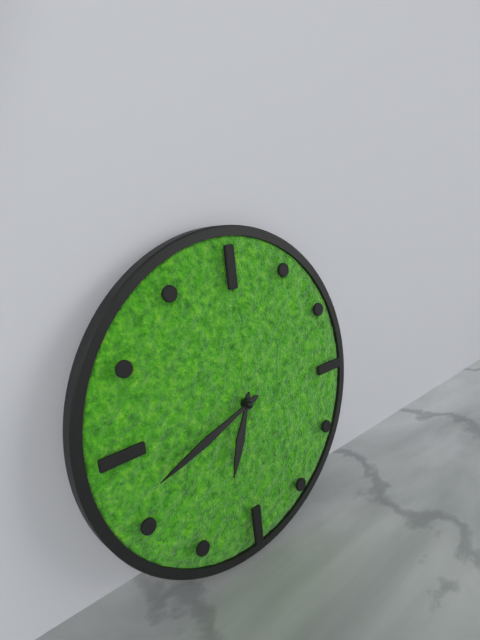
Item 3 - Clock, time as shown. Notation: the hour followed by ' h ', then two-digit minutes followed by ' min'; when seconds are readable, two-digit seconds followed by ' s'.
6 h 42 min
